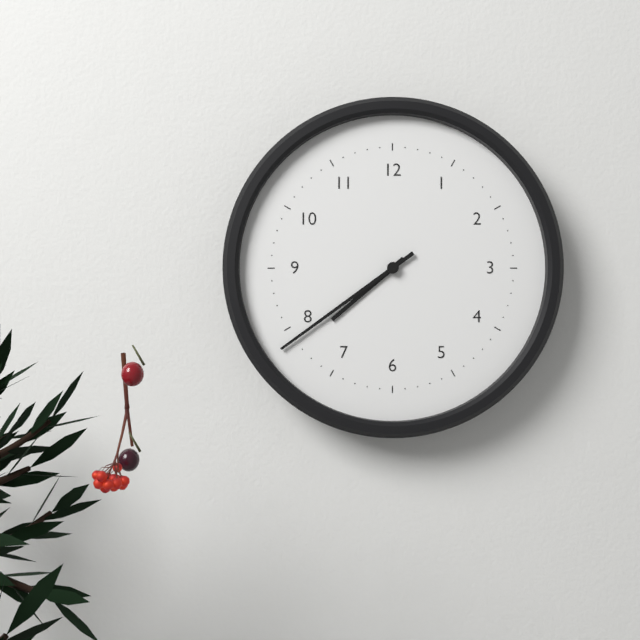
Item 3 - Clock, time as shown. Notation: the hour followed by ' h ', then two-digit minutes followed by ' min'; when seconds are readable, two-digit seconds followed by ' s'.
7 h 39 min
